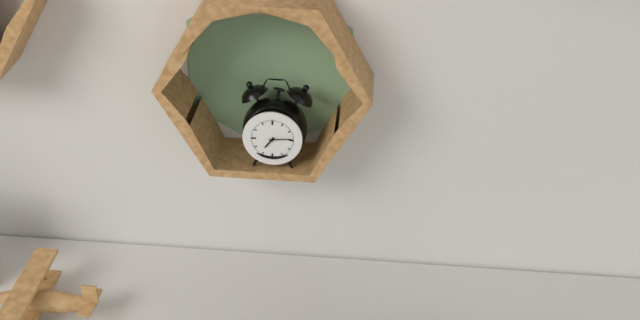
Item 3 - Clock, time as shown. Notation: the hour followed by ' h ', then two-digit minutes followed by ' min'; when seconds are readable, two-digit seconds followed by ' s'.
7 h 14 min
